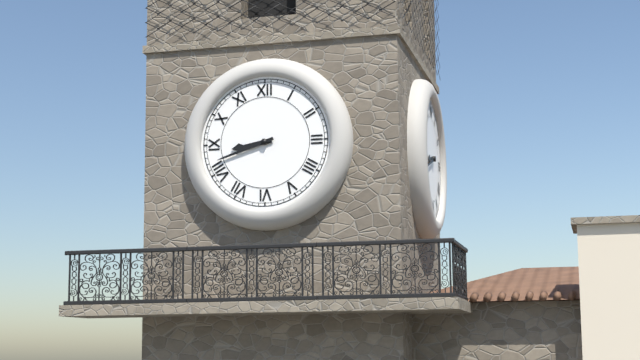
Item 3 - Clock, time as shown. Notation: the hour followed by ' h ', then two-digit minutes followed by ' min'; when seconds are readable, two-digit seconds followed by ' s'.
8 h 42 min
